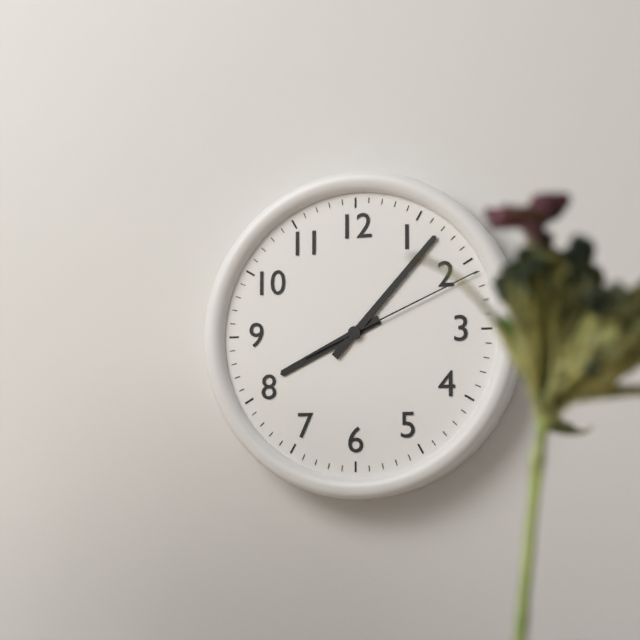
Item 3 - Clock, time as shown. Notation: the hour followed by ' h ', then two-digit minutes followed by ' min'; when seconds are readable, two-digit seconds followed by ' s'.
8 h 07 min 11 s
